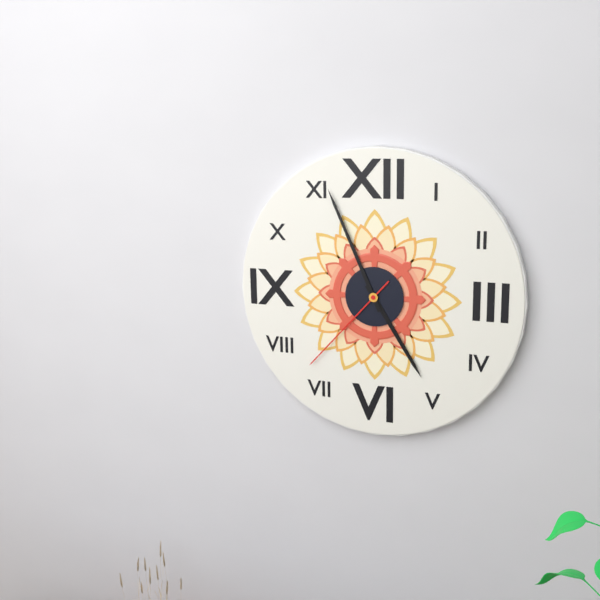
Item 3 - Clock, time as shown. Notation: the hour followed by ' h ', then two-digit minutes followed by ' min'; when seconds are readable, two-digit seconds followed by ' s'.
4 h 56 min 37 s
